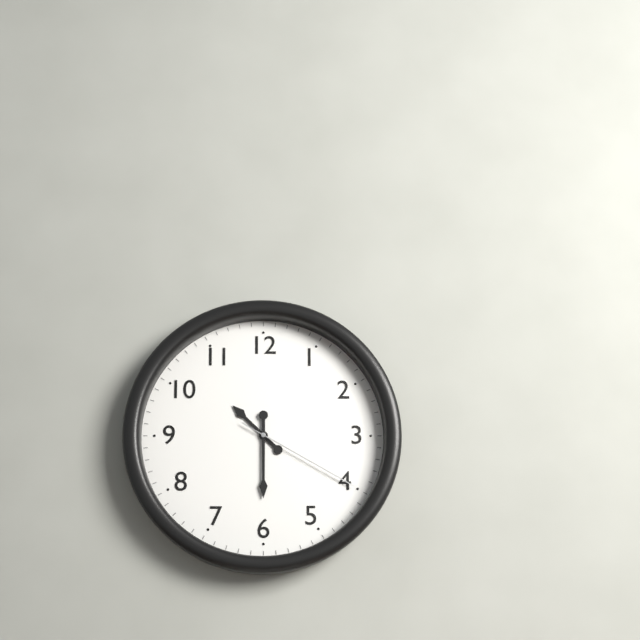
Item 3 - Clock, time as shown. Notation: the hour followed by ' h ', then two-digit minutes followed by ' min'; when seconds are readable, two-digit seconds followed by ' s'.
10 h 30 min 20 s
